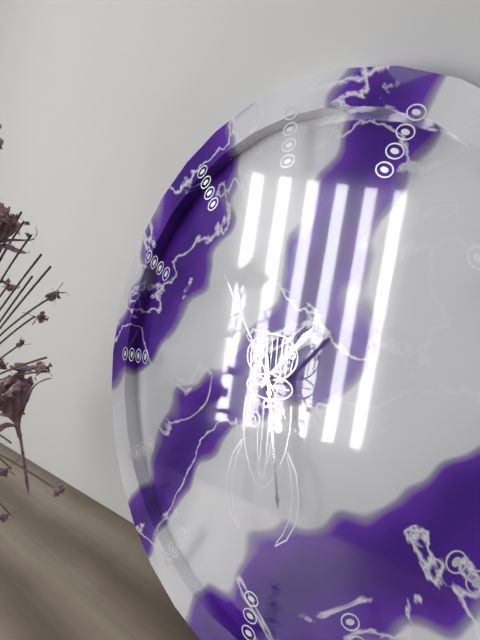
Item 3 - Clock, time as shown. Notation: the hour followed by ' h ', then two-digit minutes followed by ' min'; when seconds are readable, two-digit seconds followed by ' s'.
1 h 28 min 54 s
